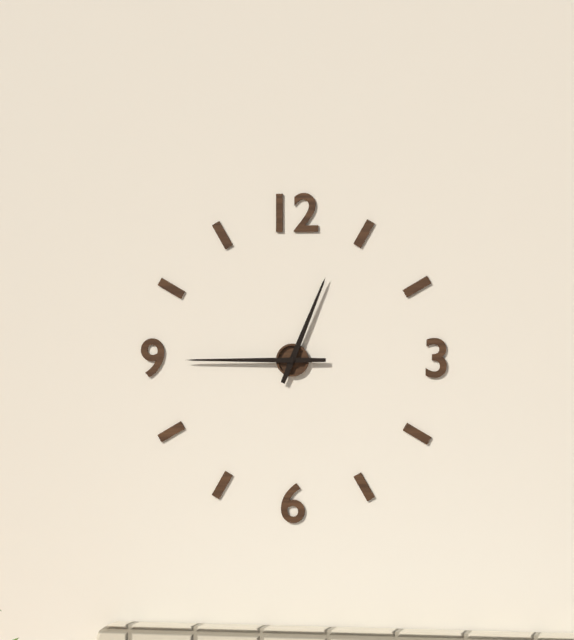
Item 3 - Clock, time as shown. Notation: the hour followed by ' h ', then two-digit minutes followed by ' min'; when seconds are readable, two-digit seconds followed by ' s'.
12 h 45 min
